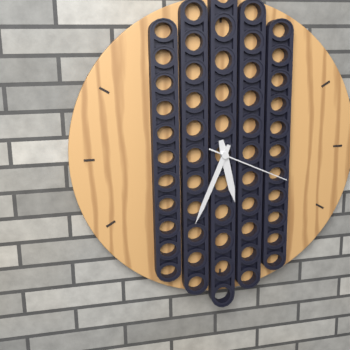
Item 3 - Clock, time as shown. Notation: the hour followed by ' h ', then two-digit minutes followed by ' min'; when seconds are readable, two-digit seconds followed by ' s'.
5 h 34 min 19 s
